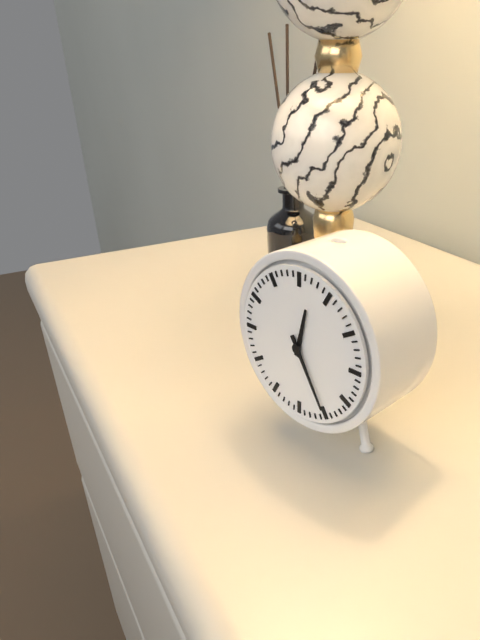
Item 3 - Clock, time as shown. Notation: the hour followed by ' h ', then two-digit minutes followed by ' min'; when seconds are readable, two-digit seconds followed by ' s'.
12 h 25 min
